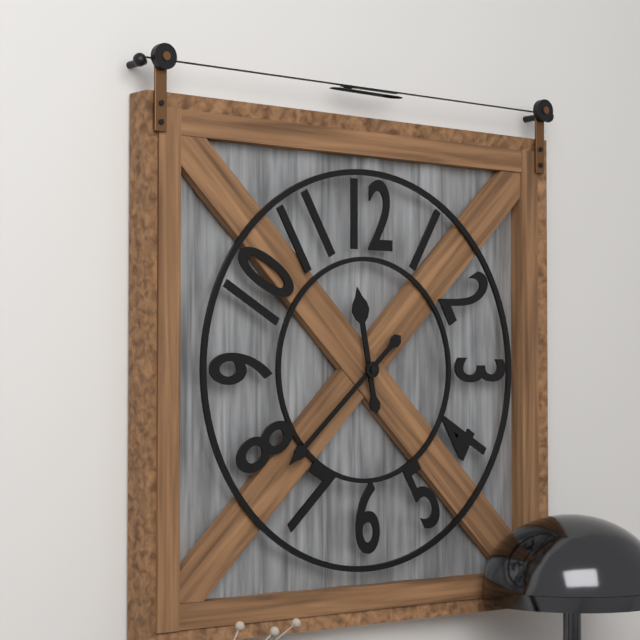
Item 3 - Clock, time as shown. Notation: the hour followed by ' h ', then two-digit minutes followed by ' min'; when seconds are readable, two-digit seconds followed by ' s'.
11 h 38 min
